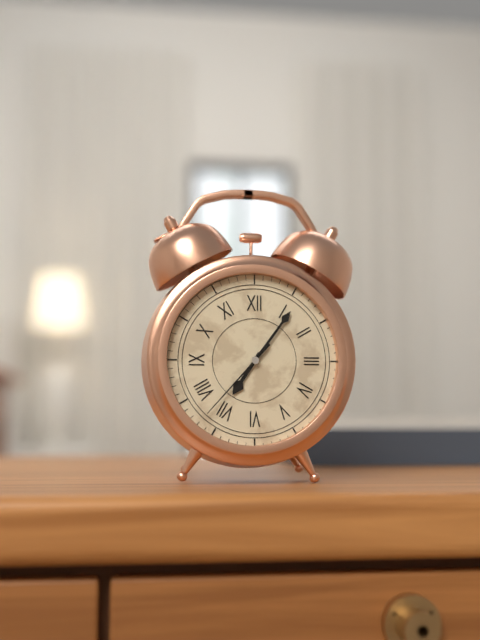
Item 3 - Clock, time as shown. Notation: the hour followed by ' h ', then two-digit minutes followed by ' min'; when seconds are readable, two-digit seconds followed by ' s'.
7 h 06 min 37 s
